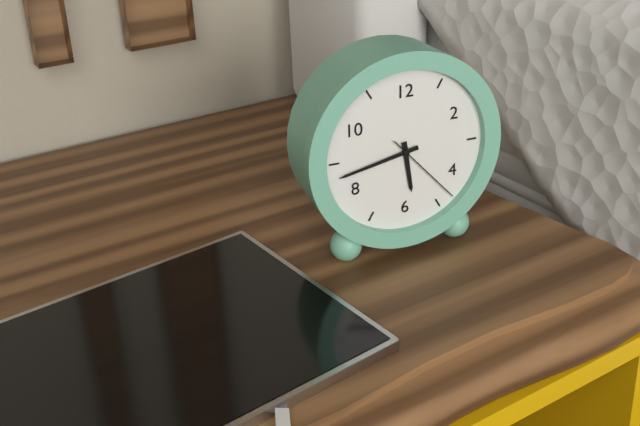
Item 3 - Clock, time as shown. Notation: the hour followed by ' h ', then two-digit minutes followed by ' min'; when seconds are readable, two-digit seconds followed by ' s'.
5 h 43 min 23 s
